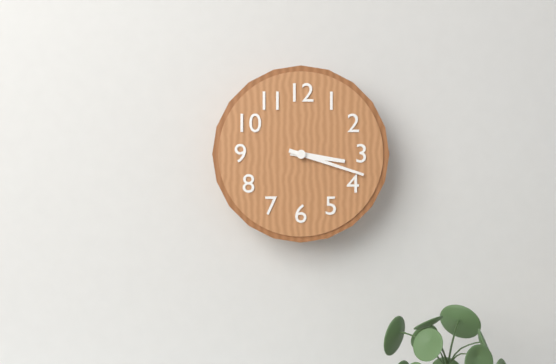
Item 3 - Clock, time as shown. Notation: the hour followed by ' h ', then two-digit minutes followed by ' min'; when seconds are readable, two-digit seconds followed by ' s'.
3 h 18 min
